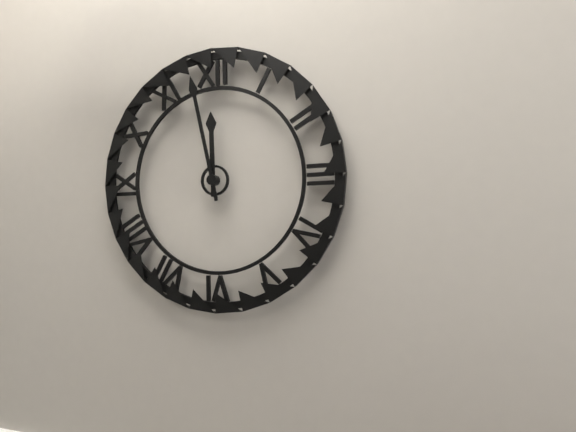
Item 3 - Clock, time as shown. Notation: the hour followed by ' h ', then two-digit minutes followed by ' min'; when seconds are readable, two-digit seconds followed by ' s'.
11 h 58 min
